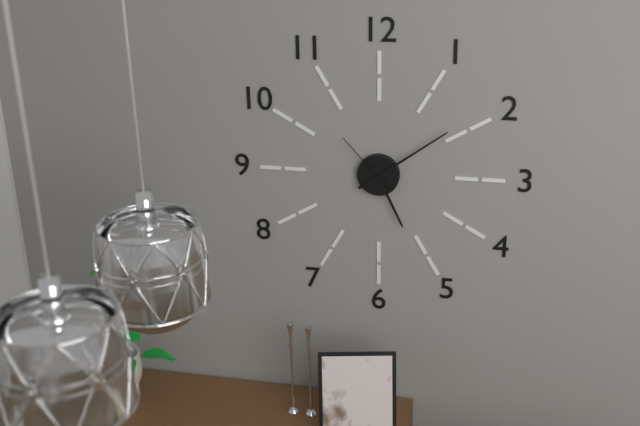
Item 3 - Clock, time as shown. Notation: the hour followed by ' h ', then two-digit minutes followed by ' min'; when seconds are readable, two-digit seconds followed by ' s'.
5 h 09 min 53 s
